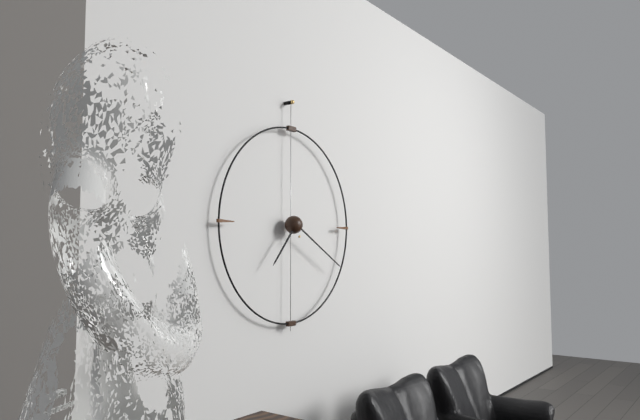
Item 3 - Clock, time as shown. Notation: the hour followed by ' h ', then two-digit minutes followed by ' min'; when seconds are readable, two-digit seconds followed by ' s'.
7 h 20 min
